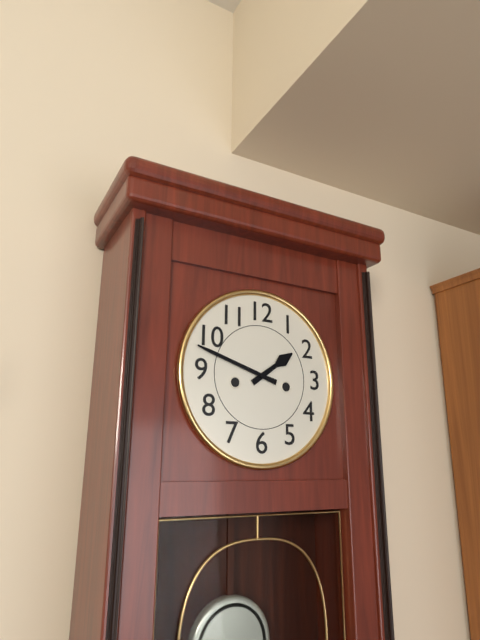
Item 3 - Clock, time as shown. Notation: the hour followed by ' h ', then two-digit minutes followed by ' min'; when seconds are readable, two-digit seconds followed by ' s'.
1 h 48 min
